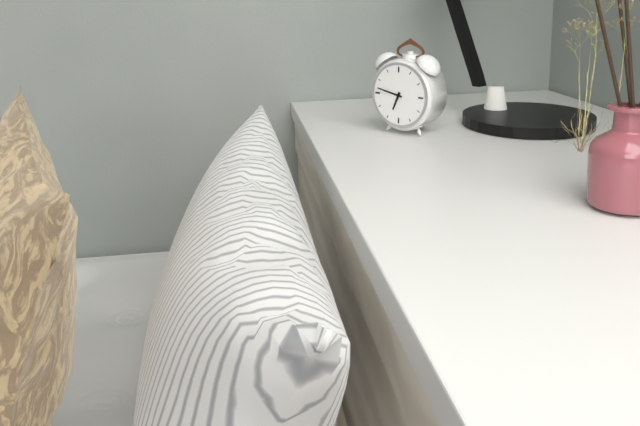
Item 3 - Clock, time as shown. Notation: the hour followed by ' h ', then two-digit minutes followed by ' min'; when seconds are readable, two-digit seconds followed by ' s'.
6 h 47 min
